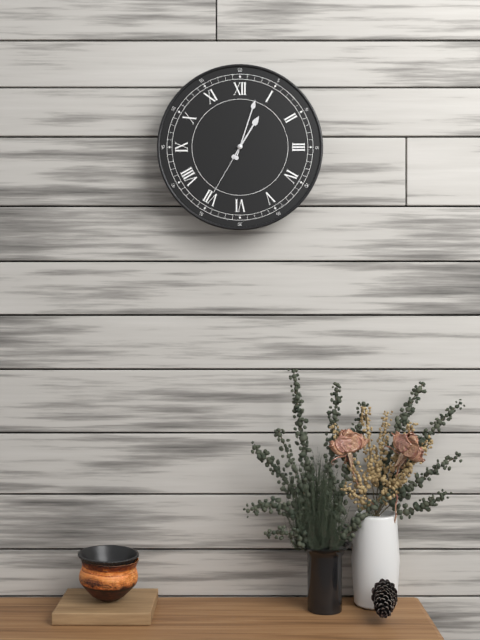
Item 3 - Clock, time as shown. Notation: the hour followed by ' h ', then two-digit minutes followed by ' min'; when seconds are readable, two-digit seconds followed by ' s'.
1 h 03 min 35 s
